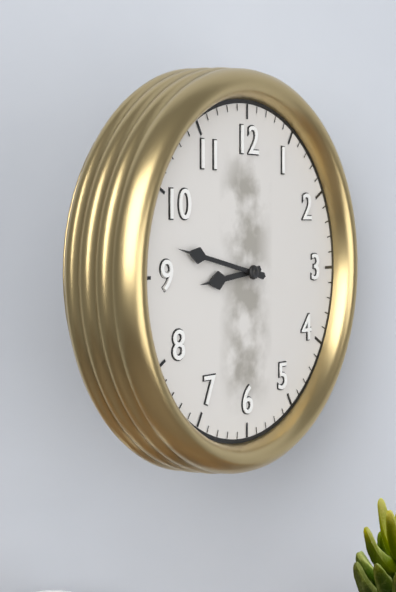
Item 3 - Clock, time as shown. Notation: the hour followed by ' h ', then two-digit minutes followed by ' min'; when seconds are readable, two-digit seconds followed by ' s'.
8 h 47 min
